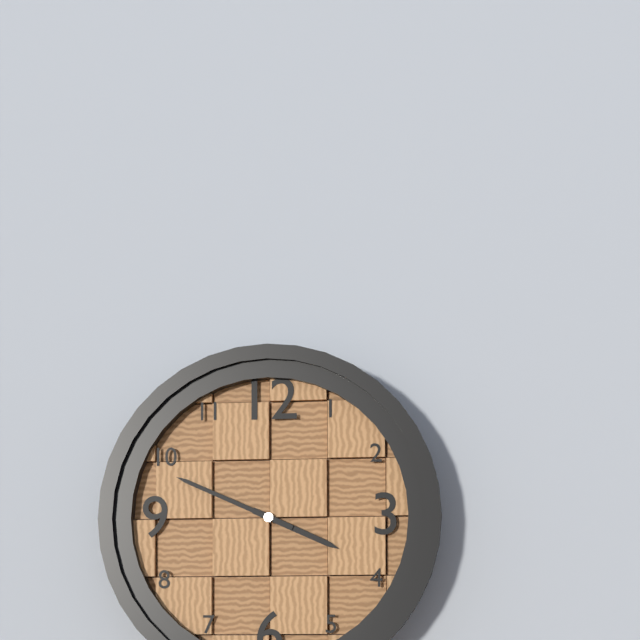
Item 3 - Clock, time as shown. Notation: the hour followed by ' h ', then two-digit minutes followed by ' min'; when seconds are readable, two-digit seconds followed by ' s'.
3 h 49 min
